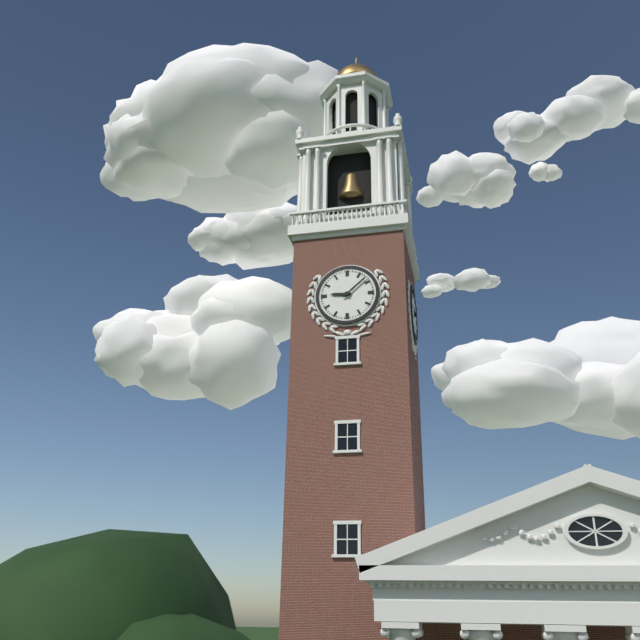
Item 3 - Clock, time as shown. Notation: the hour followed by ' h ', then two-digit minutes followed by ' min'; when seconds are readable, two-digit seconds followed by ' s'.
9 h 08 min
